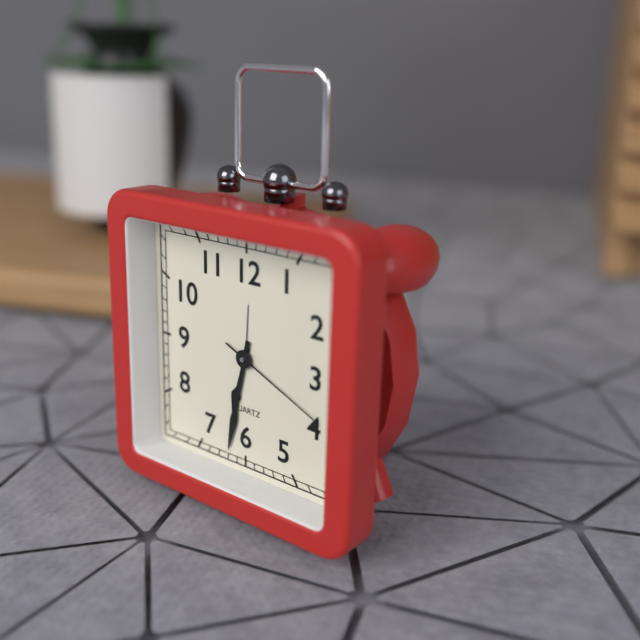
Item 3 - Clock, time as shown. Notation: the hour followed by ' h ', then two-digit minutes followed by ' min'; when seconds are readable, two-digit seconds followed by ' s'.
6 h 32 min 19 s
